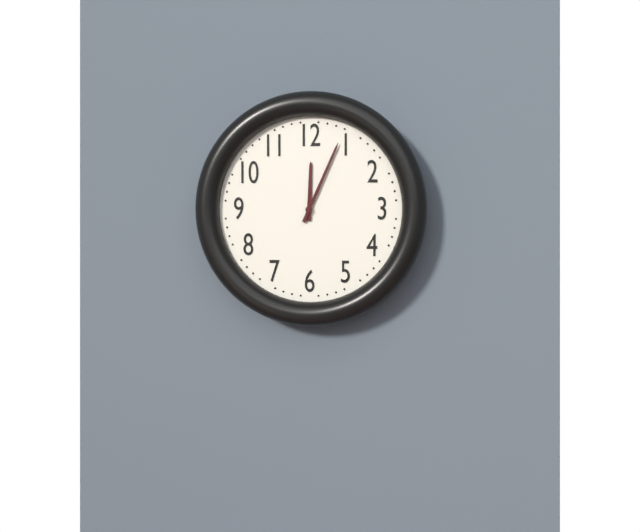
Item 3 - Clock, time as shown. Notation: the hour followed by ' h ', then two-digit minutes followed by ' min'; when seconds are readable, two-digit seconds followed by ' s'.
12 h 04 min
